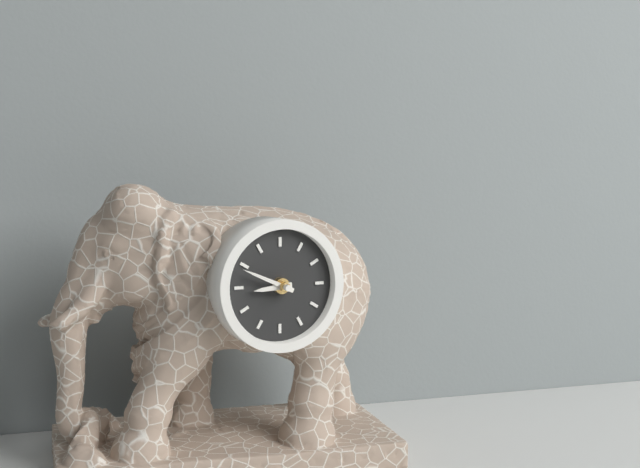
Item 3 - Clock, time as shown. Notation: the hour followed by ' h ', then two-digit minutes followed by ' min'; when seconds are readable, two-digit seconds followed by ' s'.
8 h 49 min
